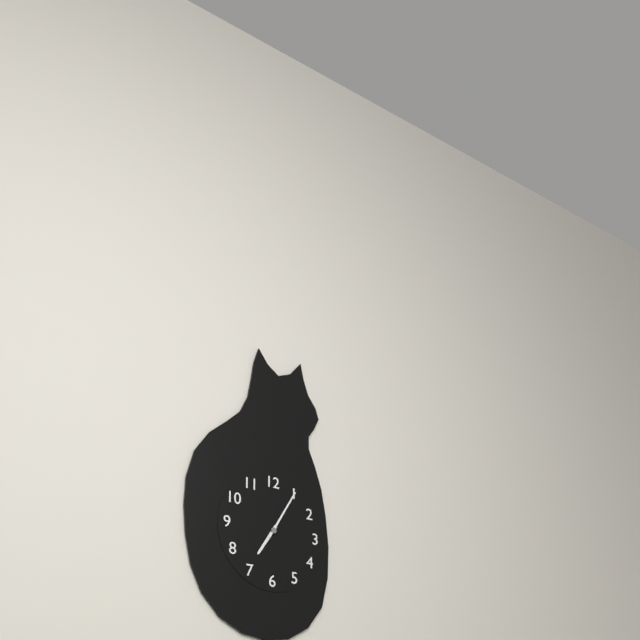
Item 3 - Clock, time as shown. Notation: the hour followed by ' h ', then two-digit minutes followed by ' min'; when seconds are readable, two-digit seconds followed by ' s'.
7 h 05 min
